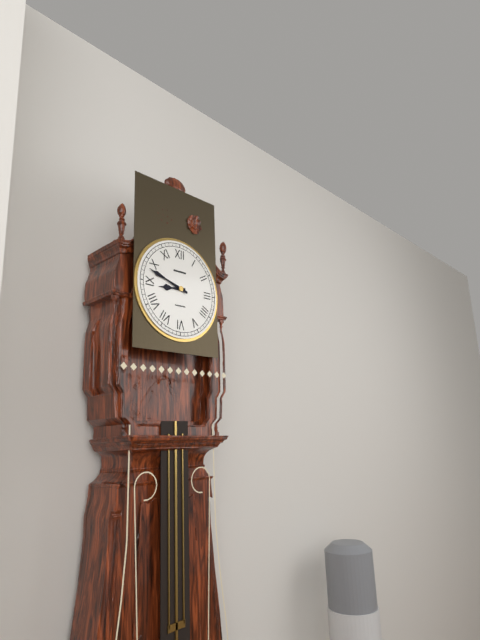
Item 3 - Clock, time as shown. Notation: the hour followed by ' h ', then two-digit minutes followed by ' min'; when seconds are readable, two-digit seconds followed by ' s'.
8 h 48 min
